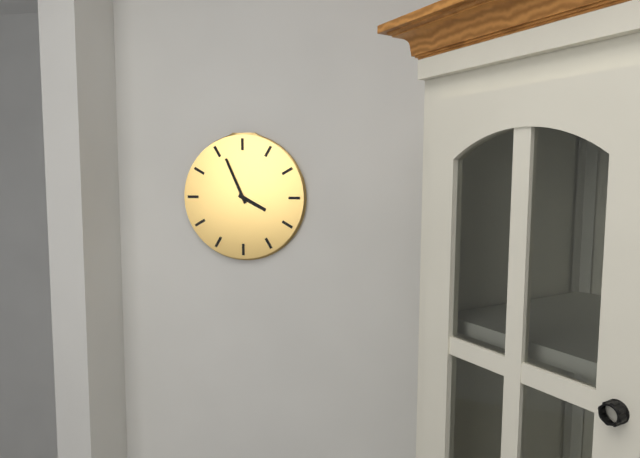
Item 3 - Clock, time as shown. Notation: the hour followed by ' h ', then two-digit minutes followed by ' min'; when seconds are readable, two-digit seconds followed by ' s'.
3 h 56 min
